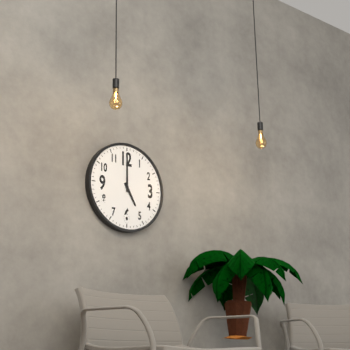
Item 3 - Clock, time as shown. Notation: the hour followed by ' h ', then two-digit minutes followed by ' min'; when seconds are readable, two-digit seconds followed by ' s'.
5 h 00 min
